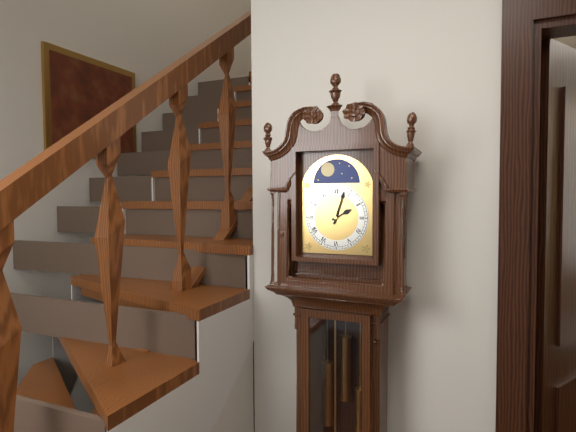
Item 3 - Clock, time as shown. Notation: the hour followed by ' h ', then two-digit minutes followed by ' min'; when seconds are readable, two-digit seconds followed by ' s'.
2 h 03 min
